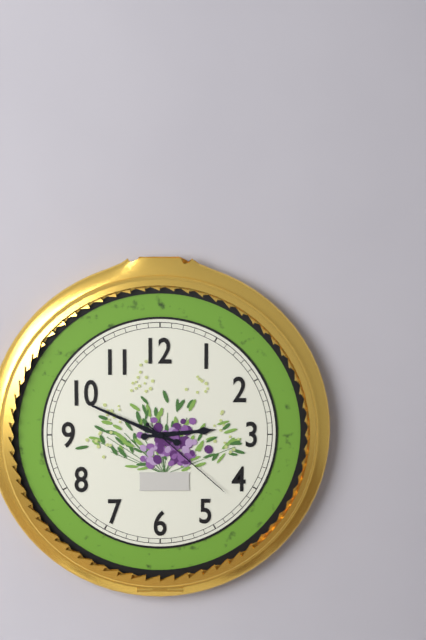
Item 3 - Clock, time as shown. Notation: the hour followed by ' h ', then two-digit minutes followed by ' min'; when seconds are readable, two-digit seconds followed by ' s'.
2 h 49 min 22 s
